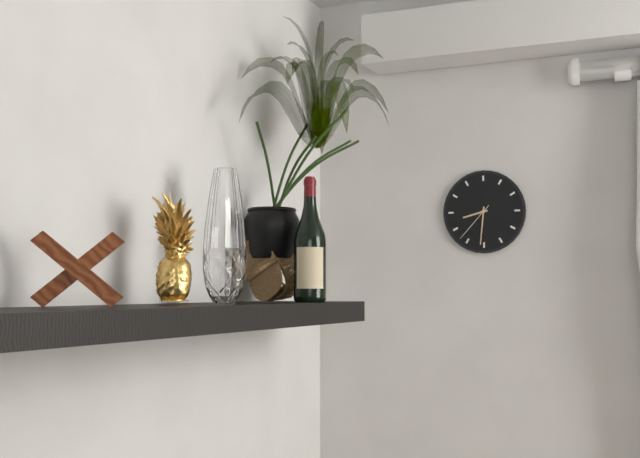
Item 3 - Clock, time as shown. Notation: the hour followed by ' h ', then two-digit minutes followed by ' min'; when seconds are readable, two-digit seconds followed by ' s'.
8 h 31 min
